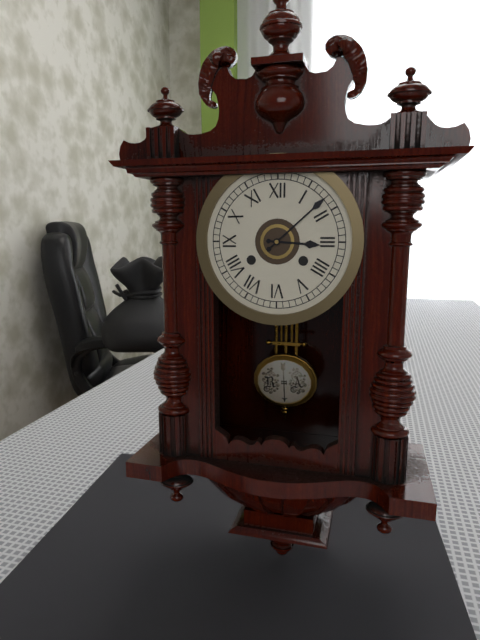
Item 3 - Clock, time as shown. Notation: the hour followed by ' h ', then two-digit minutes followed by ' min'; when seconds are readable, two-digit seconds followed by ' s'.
3 h 08 min
